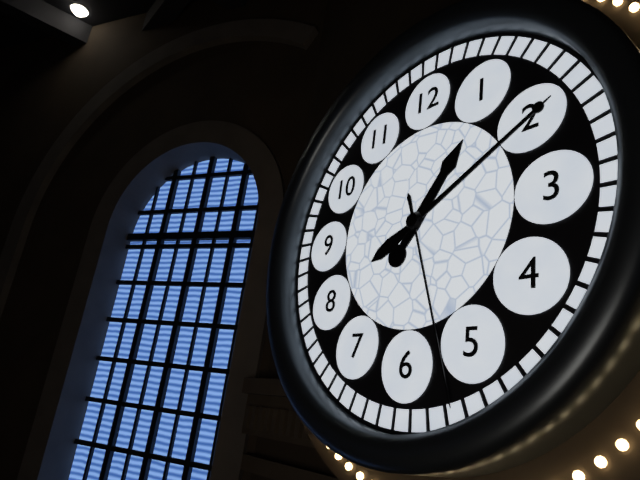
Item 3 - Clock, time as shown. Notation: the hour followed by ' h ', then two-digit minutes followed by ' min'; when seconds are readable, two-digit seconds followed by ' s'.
1 h 10 min 27 s
